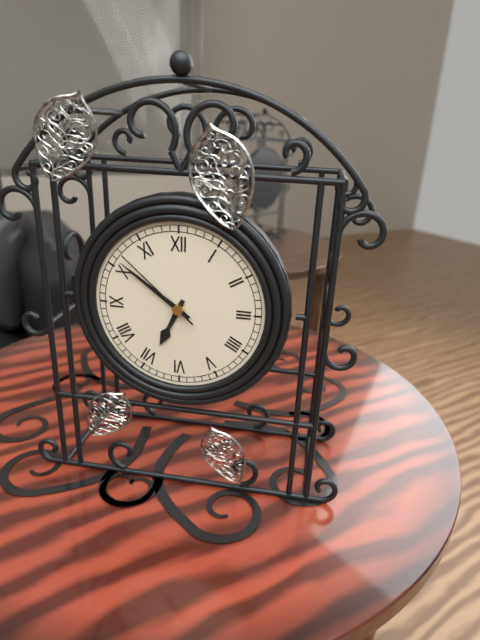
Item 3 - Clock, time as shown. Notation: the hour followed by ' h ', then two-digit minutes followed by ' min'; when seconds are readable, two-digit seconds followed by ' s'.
6 h 51 min 52 s
